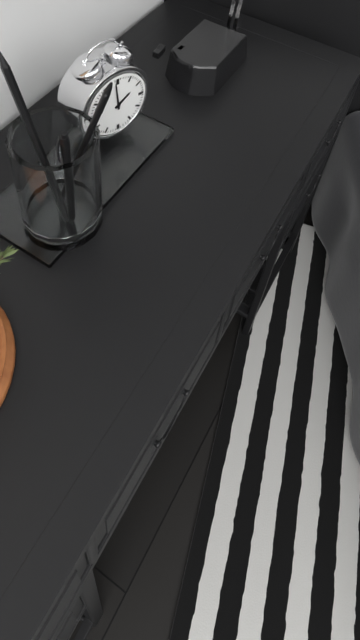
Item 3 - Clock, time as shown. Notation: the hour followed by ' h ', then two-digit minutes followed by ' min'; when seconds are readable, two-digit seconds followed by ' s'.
1 h 59 min
